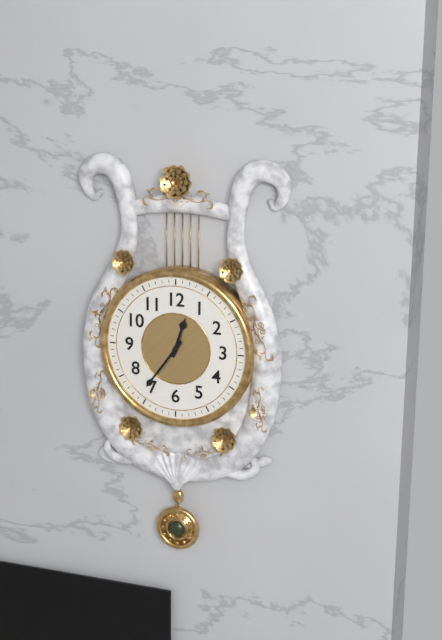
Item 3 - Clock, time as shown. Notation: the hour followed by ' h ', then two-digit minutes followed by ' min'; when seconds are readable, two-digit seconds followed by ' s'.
12 h 36 min
